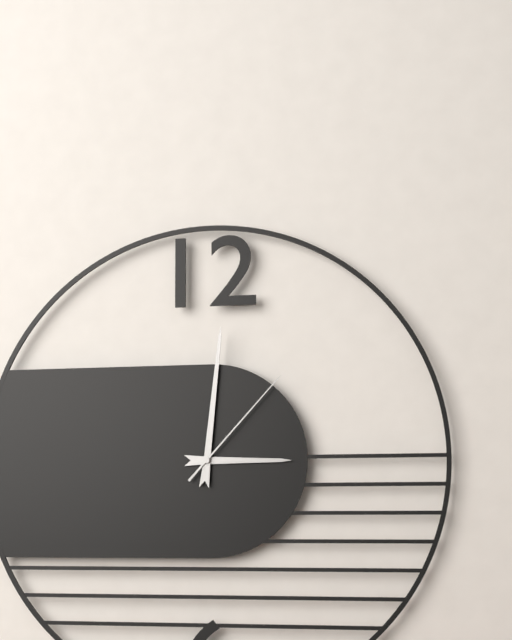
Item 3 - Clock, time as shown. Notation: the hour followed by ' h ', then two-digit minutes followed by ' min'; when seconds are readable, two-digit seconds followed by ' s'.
3 h 01 min 07 s
